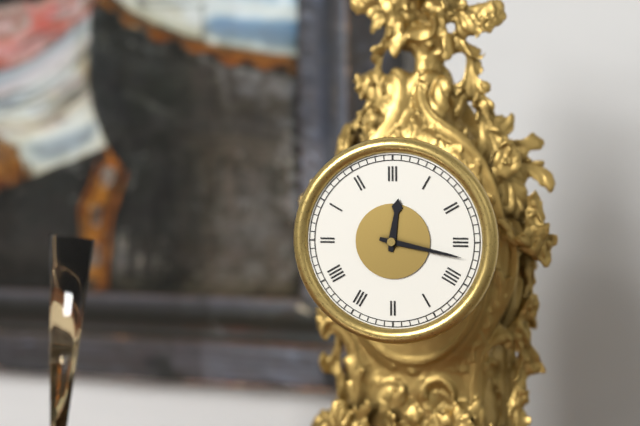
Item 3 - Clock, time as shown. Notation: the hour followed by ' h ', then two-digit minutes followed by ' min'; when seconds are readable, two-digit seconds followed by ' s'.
12 h 17 min
